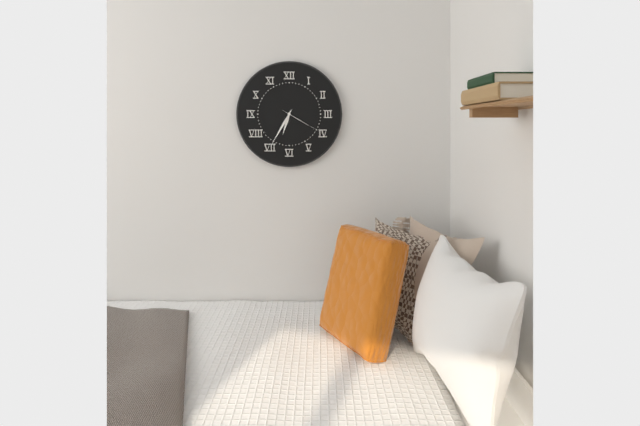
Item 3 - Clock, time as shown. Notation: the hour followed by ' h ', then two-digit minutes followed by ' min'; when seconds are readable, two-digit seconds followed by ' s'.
6 h 35 min
